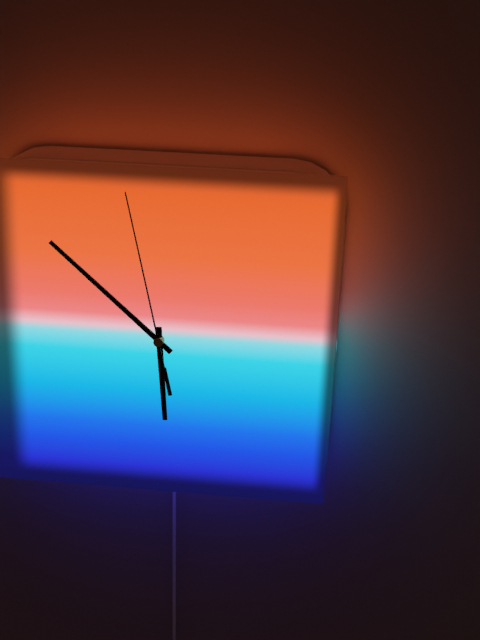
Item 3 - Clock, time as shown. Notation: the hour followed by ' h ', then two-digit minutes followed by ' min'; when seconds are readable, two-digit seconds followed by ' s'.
5 h 52 min 58 s
